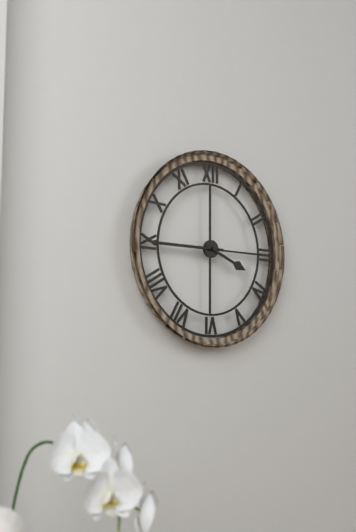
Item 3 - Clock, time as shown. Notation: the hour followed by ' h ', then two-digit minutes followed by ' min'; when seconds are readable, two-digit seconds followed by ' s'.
3 h 45 min
